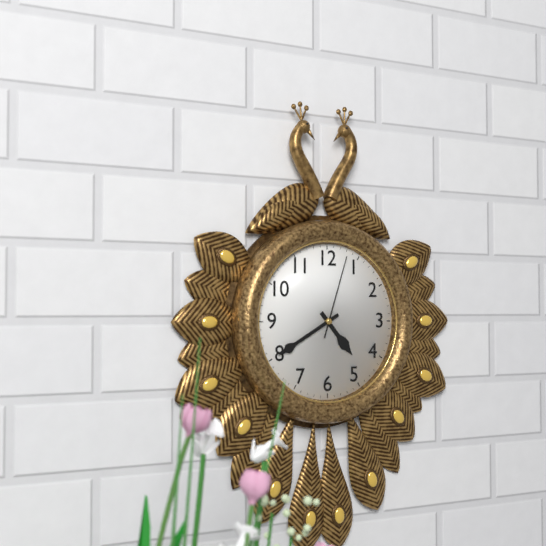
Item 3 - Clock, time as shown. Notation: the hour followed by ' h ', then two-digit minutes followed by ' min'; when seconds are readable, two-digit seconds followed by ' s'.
4 h 40 min 03 s
